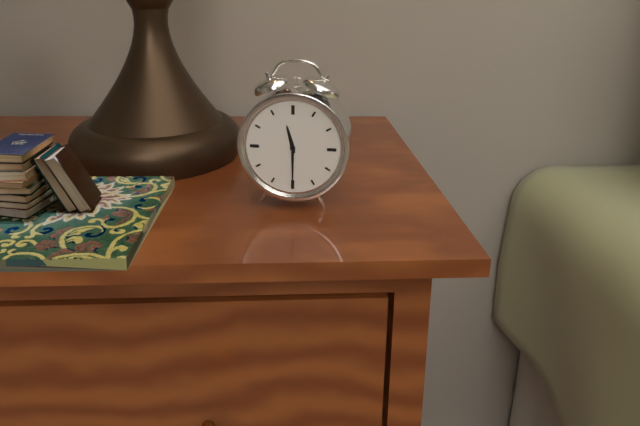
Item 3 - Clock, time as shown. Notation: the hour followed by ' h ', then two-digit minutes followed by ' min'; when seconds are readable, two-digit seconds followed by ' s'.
11 h 30 min
